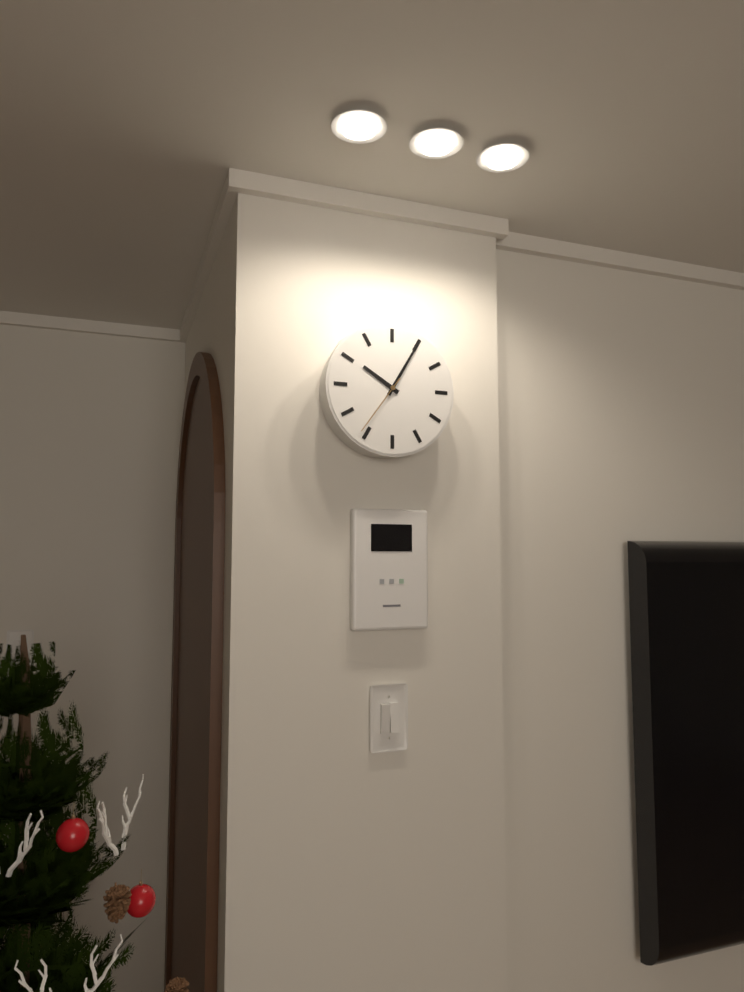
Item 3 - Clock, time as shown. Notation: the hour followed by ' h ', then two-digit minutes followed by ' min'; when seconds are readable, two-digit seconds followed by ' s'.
10 h 05 min 36 s
